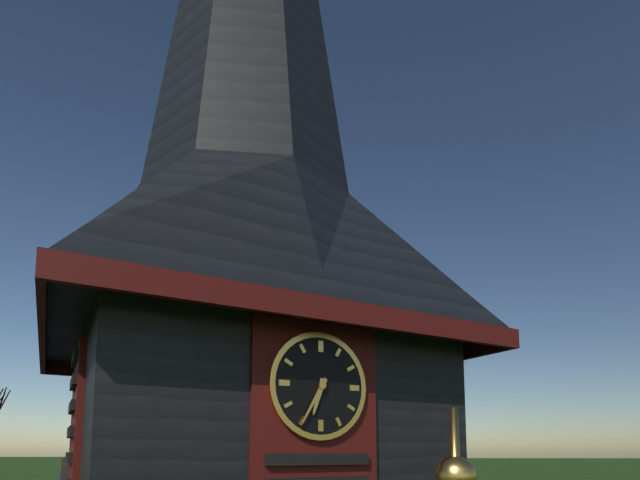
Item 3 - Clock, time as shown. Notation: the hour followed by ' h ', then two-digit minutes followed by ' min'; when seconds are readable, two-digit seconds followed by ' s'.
6 h 35 min
